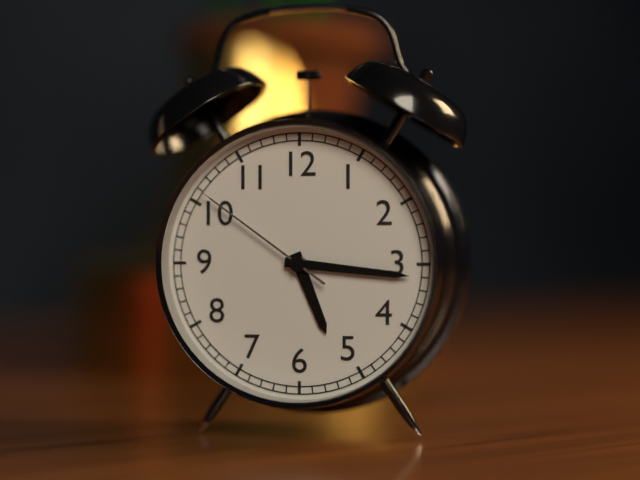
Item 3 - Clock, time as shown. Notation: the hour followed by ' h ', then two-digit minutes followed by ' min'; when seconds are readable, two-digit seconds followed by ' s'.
5 h 16 min 51 s
